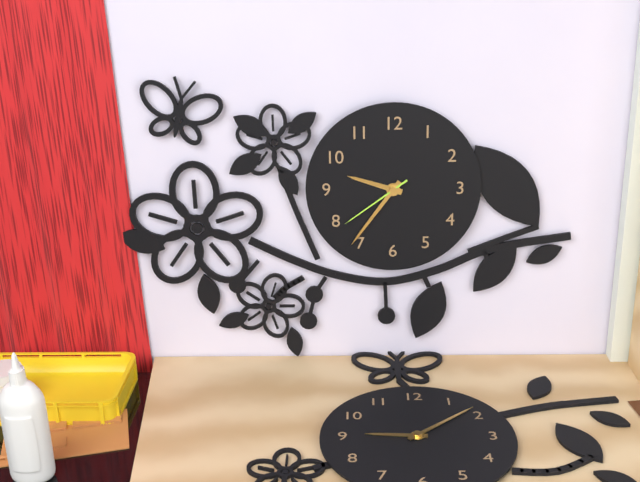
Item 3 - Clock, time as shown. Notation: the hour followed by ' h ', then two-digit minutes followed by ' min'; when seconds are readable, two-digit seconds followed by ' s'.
9 h 36 min 39 s
